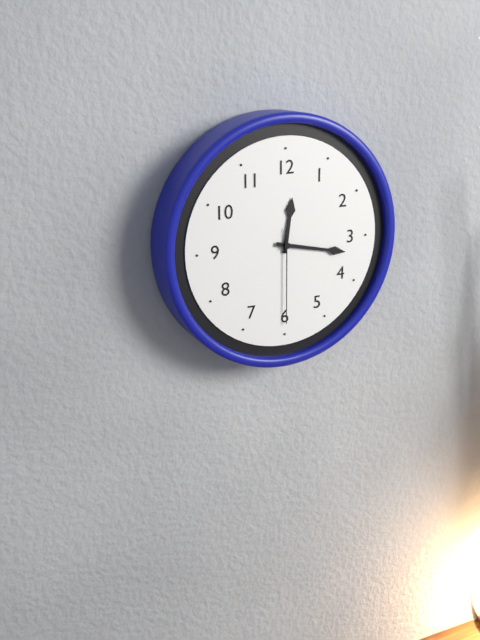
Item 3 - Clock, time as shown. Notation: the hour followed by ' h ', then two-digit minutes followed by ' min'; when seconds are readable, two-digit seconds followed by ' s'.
12 h 17 min 30 s
